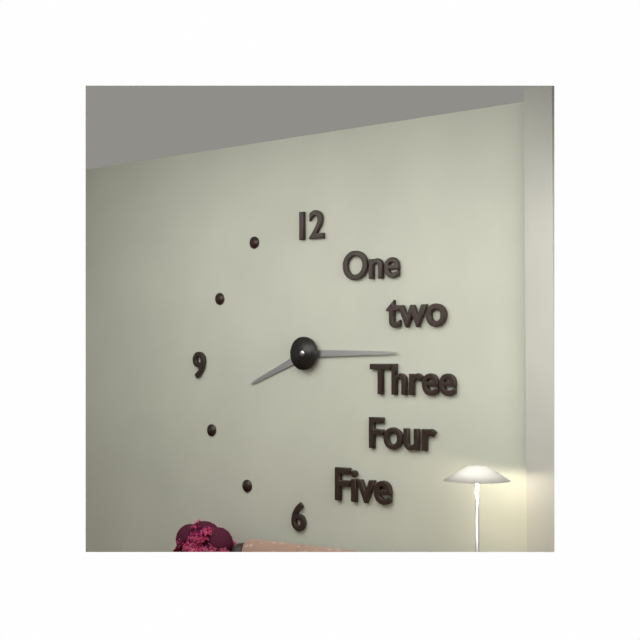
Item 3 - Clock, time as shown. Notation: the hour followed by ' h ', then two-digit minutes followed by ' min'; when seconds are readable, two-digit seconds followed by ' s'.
8 h 15 min
